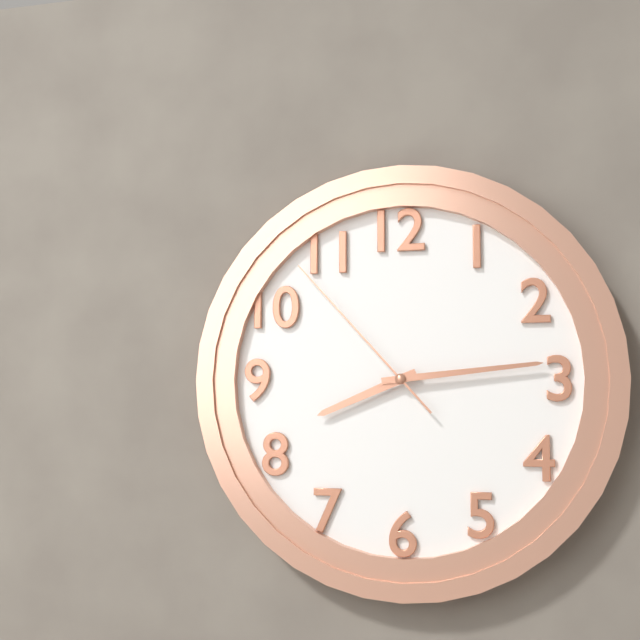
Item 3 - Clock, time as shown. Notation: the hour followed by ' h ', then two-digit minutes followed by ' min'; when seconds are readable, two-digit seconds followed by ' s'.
8 h 14 min 53 s
